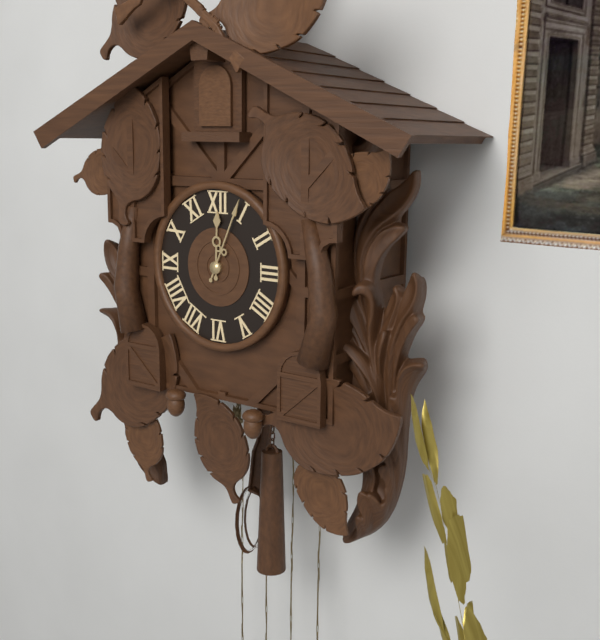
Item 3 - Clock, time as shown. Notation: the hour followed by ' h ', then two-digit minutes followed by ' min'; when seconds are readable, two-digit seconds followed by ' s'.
12 h 04 min
